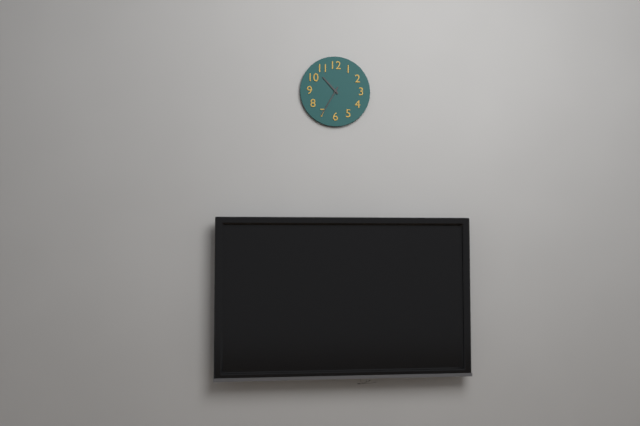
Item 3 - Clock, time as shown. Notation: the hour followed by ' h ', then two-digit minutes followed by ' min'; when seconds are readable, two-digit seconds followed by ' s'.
10 h 35 min
